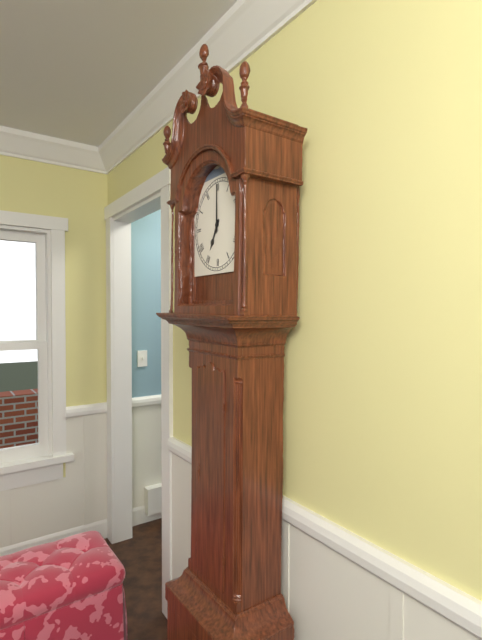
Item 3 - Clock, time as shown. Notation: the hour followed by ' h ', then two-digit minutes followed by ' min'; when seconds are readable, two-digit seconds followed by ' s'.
7 h 00 min
